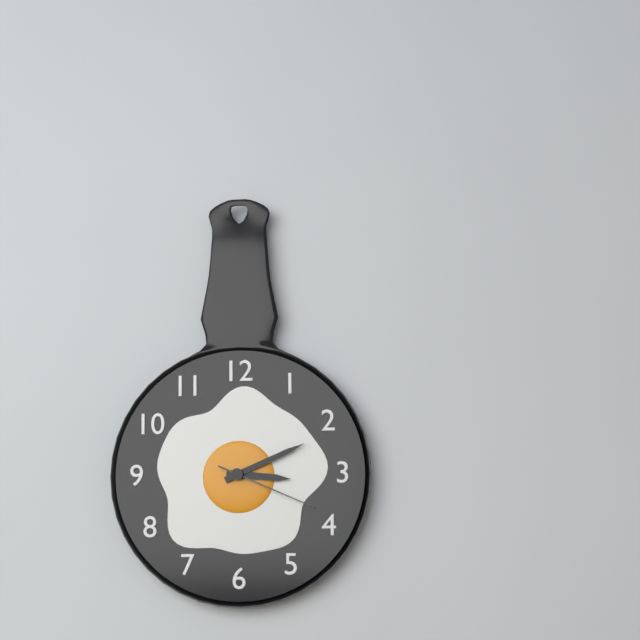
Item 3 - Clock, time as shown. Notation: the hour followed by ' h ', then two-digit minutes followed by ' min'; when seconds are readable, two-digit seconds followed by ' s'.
3 h 11 min 19 s
